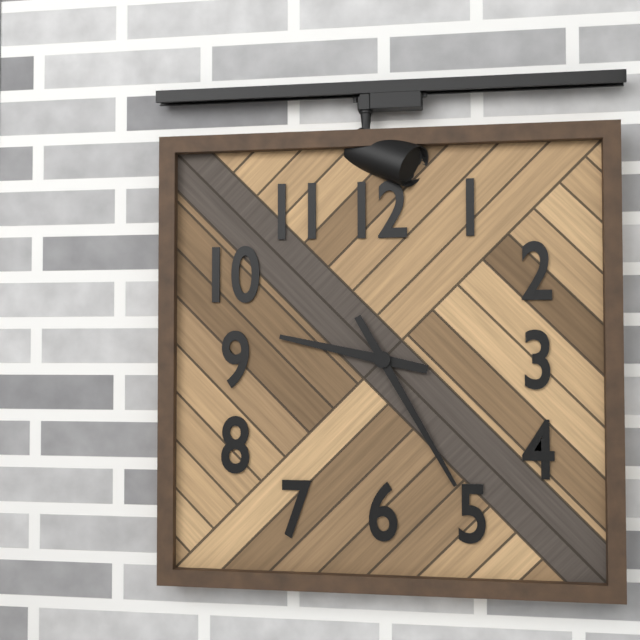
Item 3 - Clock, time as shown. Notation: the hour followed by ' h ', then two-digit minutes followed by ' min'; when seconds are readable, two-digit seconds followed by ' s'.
9 h 25 min
